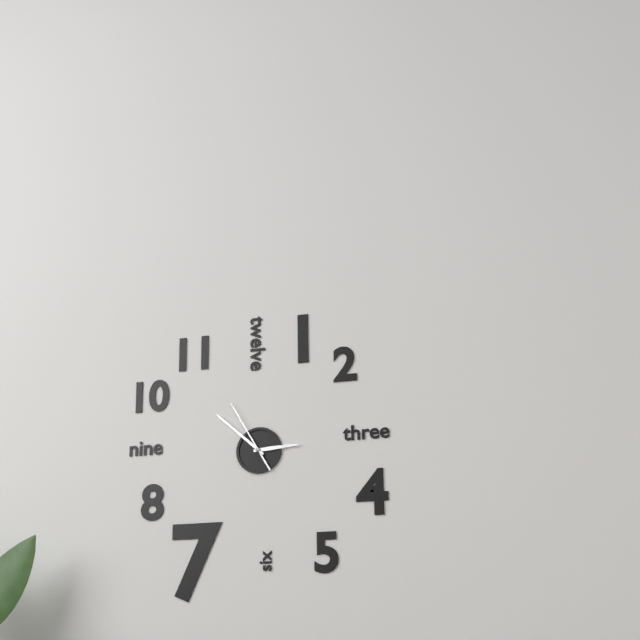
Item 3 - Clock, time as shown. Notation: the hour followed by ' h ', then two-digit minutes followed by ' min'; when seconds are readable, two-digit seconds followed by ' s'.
2 h 52 min 55 s
